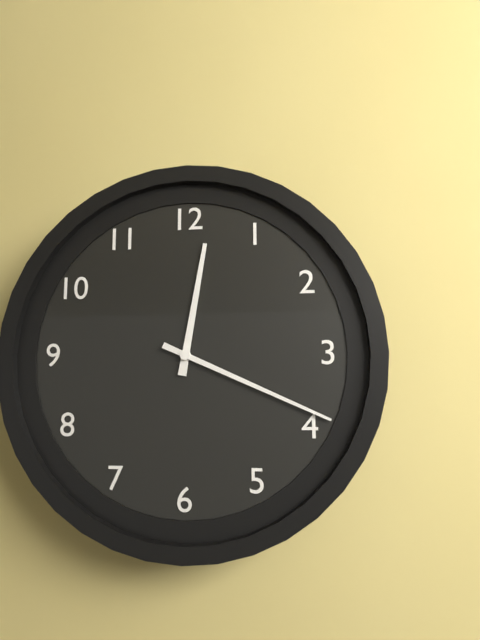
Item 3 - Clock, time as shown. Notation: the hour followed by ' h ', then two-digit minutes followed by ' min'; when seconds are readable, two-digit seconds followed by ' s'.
12 h 19 min
